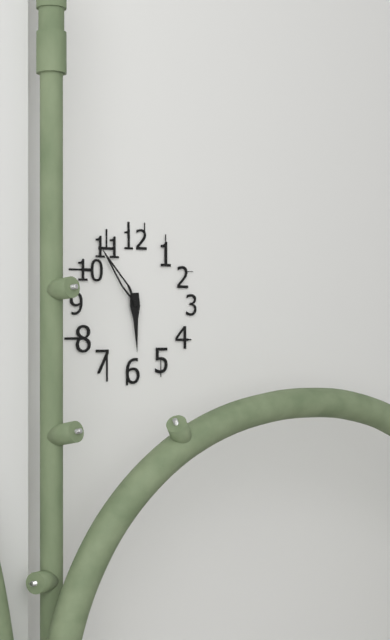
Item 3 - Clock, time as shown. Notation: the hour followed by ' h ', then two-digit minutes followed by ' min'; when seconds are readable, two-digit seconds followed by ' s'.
5 h 54 min
